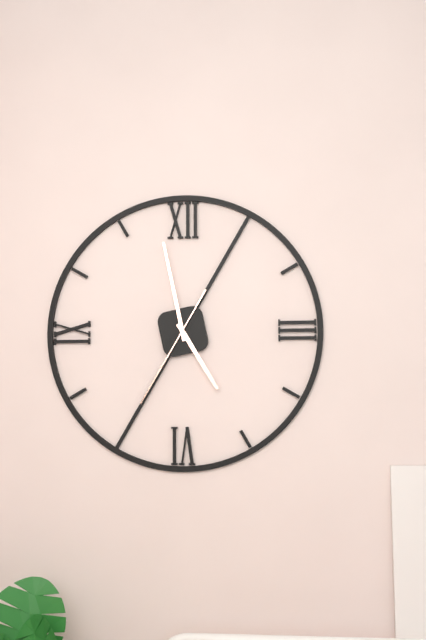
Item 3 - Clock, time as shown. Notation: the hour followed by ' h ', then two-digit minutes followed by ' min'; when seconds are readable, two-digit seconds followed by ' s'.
4 h 58 min 35 s
